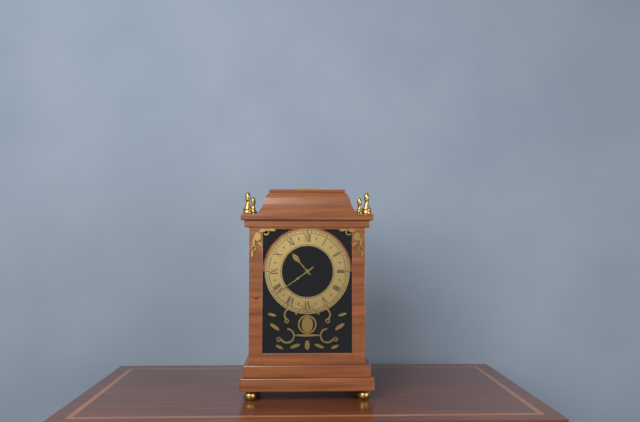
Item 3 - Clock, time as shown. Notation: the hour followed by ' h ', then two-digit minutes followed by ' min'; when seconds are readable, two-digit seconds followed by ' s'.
10 h 39 min
